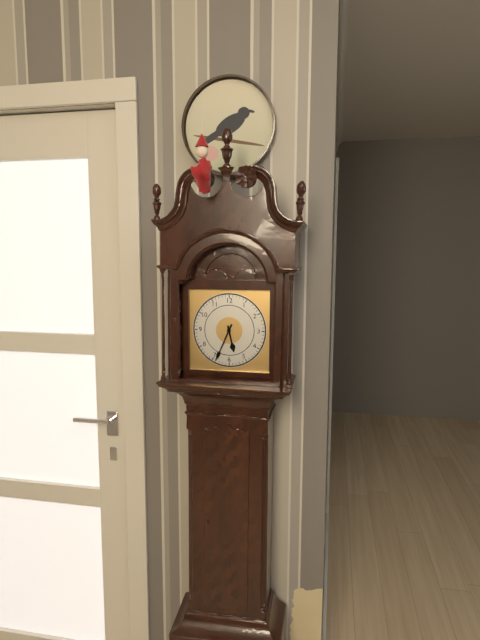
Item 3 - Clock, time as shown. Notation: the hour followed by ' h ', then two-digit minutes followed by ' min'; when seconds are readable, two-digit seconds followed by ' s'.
5 h 34 min
